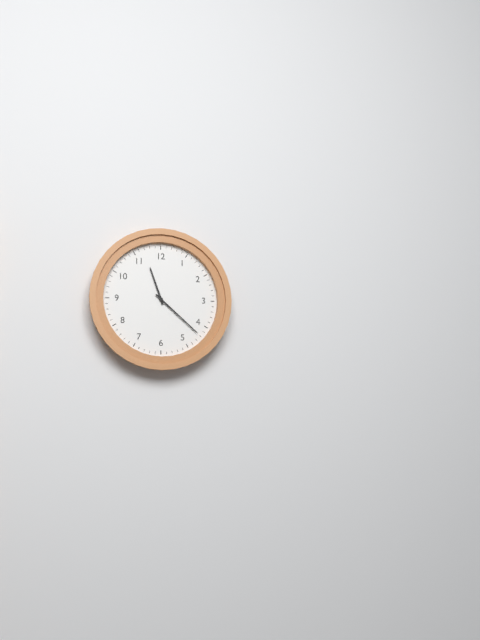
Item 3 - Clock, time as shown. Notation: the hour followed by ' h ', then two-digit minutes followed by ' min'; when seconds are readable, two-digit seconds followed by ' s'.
11 h 22 min
